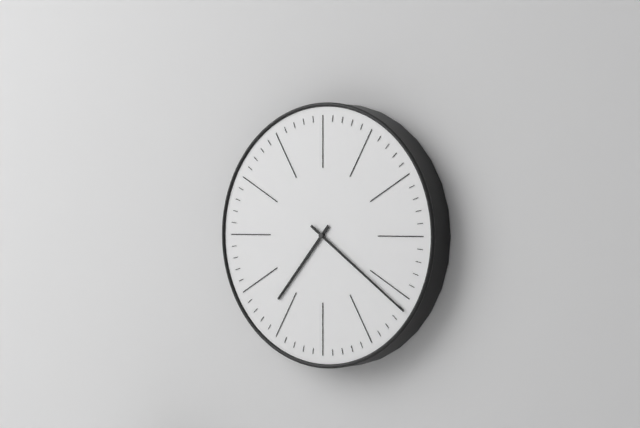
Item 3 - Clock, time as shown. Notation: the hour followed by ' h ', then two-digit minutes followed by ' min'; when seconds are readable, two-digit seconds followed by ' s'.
7 h 21 min
